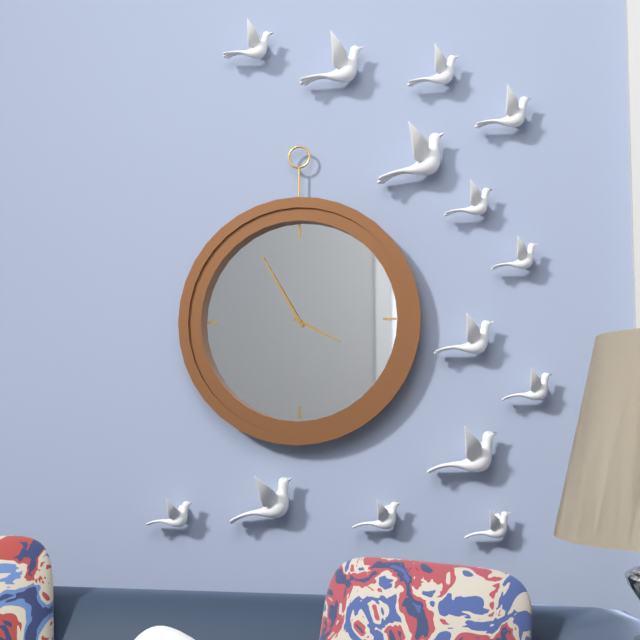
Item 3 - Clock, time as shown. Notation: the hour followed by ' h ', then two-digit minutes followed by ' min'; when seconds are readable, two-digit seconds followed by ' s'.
3 h 55 min
